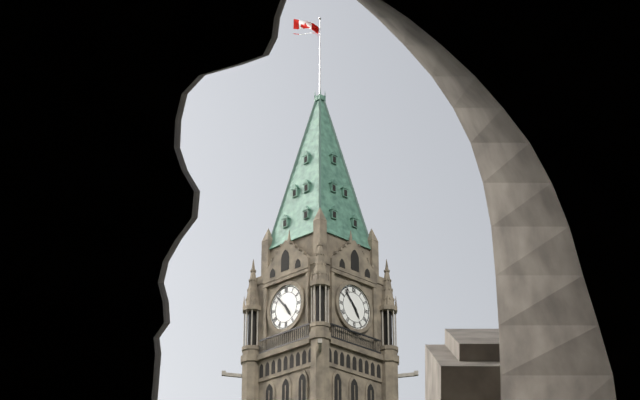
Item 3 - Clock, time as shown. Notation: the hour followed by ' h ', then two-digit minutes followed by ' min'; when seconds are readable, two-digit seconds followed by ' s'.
4 h 53 min
